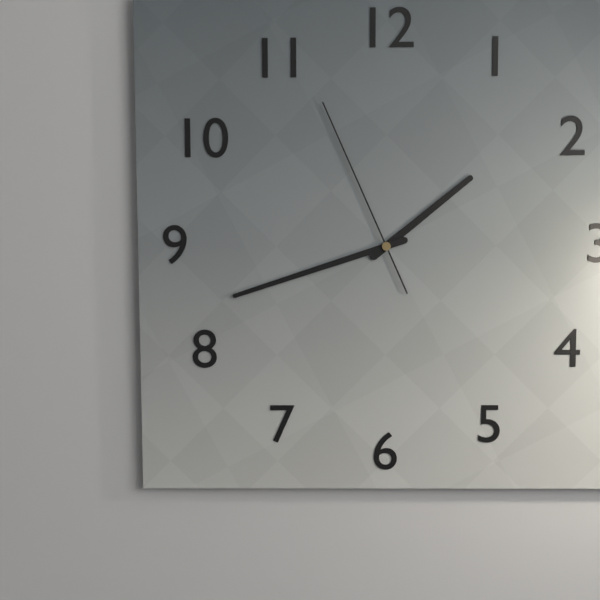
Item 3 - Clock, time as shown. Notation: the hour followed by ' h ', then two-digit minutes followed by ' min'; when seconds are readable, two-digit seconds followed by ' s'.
1 h 42 min 56 s
